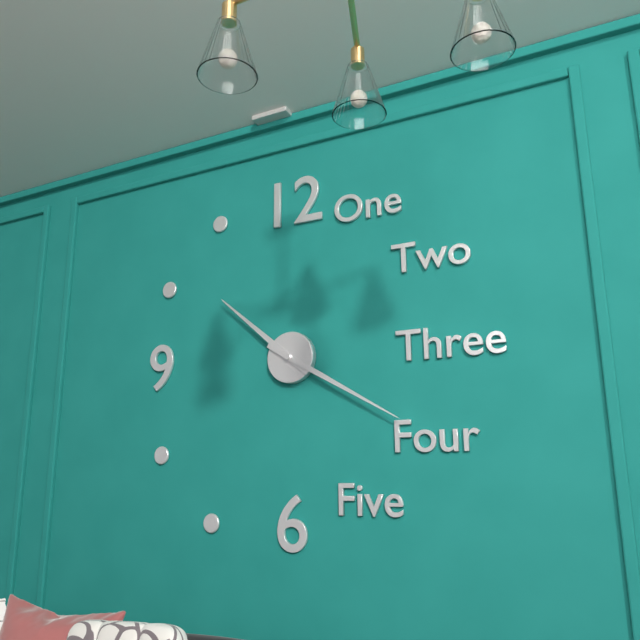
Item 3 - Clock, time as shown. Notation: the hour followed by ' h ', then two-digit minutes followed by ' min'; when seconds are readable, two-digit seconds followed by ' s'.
10 h 20 min
